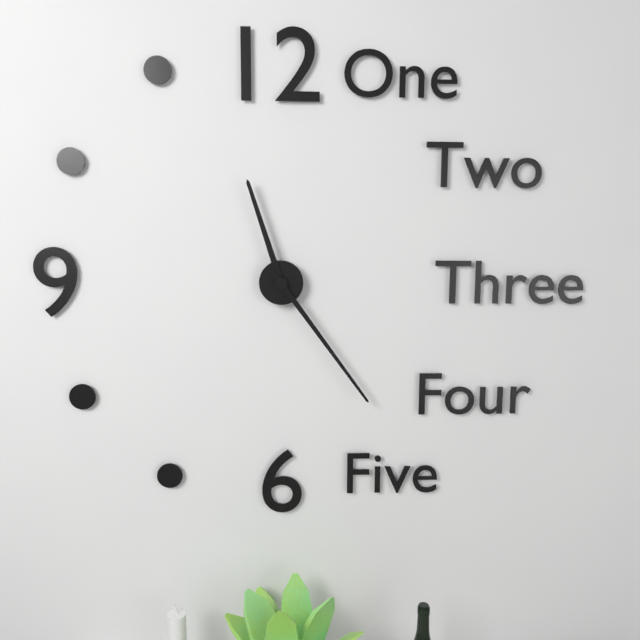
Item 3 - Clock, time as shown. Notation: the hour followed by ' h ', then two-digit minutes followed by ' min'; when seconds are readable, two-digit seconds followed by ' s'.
11 h 24 min
